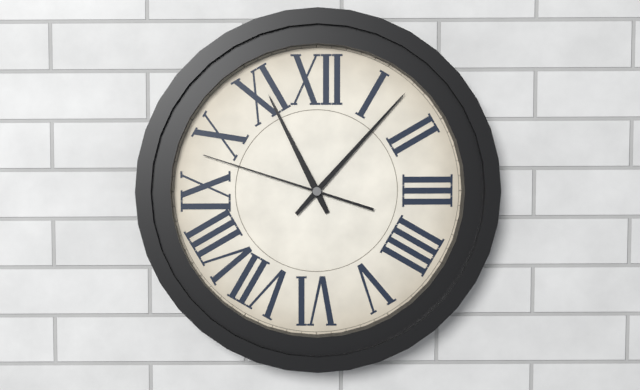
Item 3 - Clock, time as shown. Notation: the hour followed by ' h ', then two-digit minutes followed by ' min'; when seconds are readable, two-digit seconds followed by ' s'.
11 h 07 min 48 s
